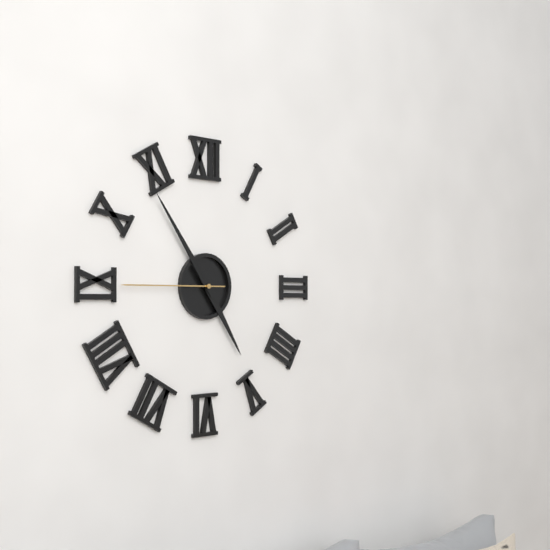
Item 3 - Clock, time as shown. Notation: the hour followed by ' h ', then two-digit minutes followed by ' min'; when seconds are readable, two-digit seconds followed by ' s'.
4 h 54 min 45 s
